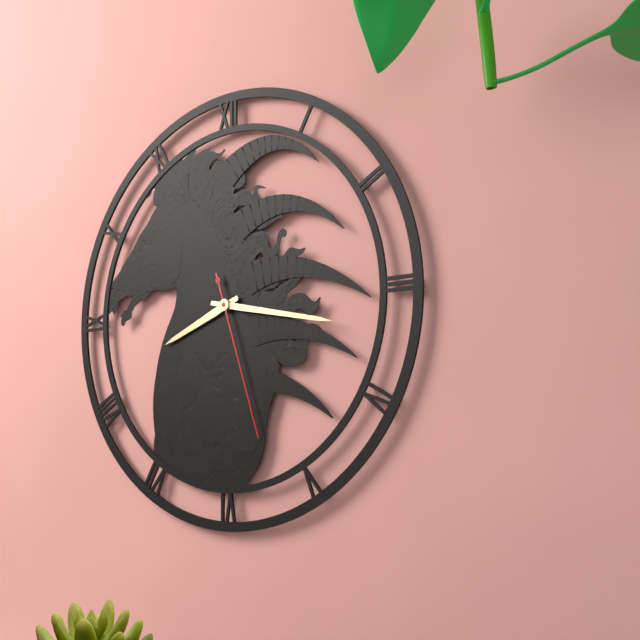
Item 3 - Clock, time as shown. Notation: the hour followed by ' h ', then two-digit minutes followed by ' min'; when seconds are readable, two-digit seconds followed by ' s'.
8 h 17 min 27 s
